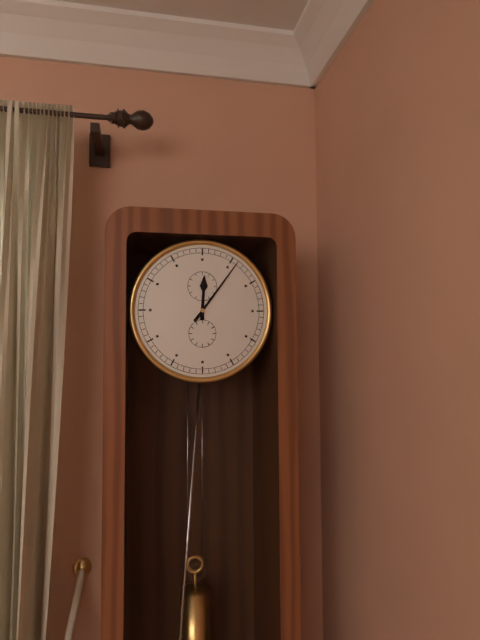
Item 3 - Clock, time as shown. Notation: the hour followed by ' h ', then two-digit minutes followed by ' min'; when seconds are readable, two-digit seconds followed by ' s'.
12 h 06 min
